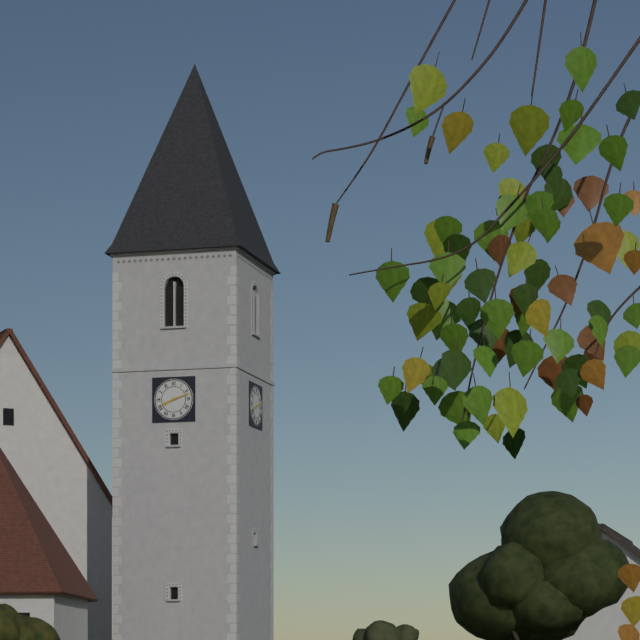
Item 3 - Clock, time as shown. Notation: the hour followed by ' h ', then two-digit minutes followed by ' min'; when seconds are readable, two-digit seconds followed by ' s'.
8 h 12 min
